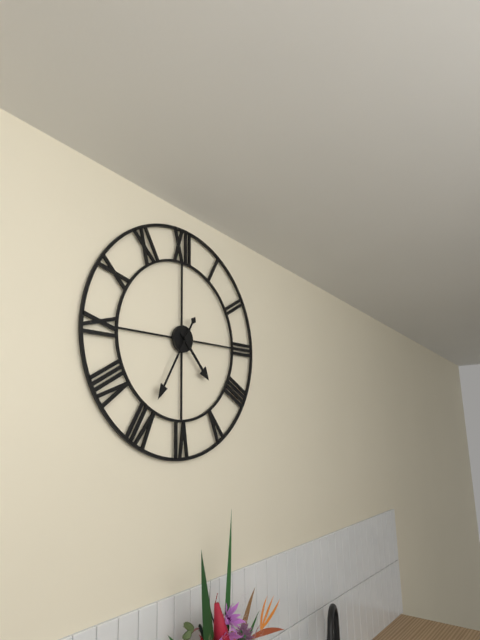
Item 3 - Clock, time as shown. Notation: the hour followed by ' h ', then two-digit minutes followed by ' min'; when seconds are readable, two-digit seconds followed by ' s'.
4 h 35 min
